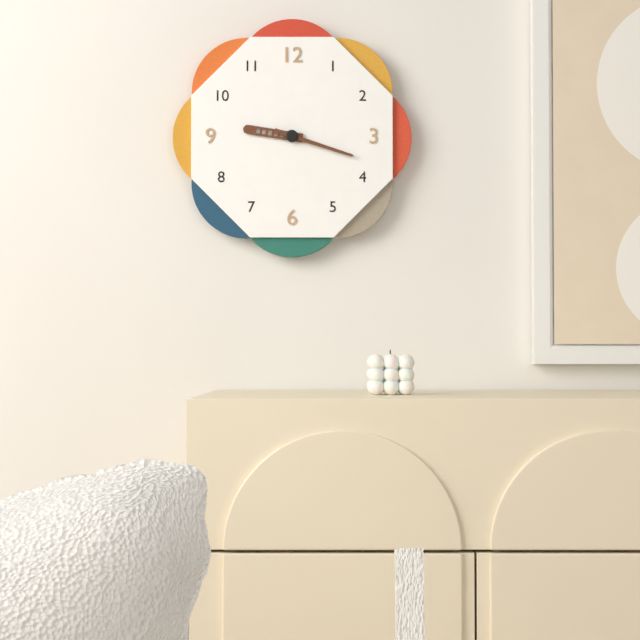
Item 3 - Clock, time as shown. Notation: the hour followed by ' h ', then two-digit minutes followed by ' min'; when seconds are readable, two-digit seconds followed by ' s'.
9 h 18 min
